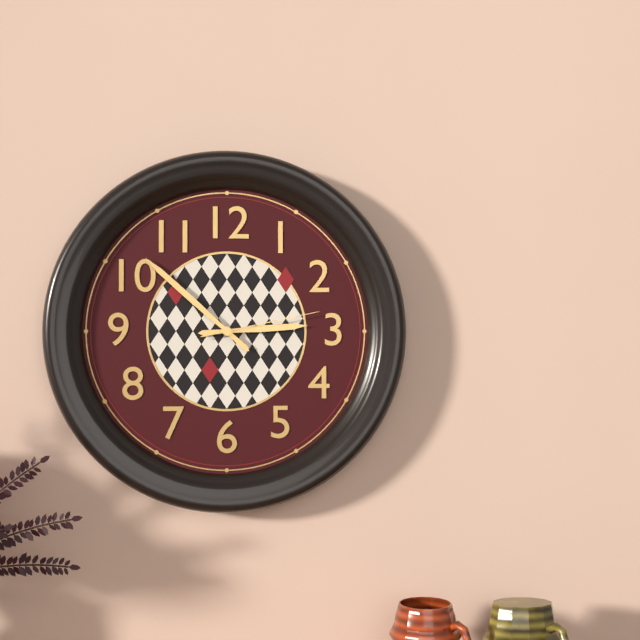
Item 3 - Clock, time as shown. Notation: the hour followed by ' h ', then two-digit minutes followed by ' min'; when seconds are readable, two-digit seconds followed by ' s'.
2 h 52 min 13 s
